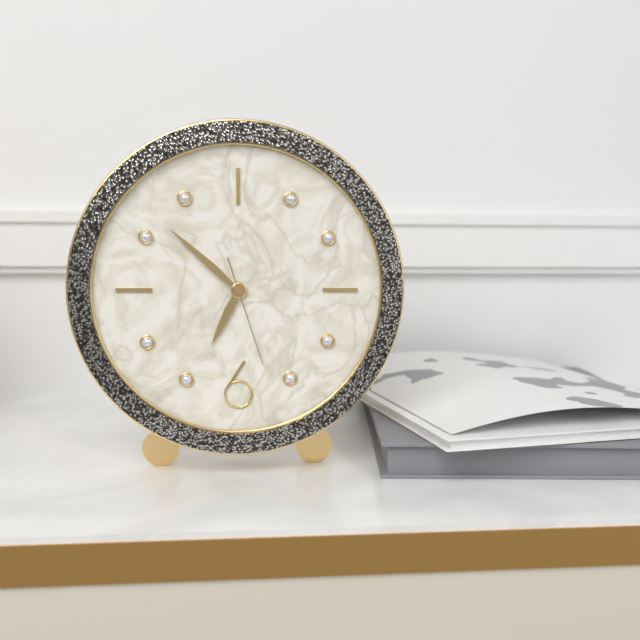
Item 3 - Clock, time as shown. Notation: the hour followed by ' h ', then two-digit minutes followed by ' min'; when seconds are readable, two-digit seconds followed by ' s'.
6 h 52 min 27 s
